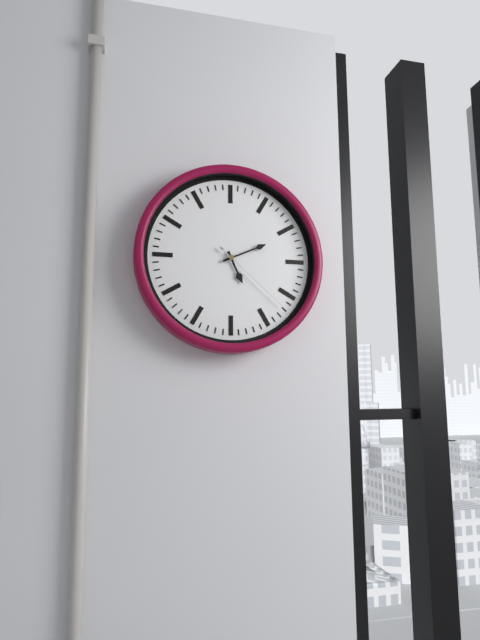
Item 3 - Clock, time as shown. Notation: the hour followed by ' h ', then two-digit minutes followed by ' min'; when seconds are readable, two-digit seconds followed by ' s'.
5 h 11 min 22 s
